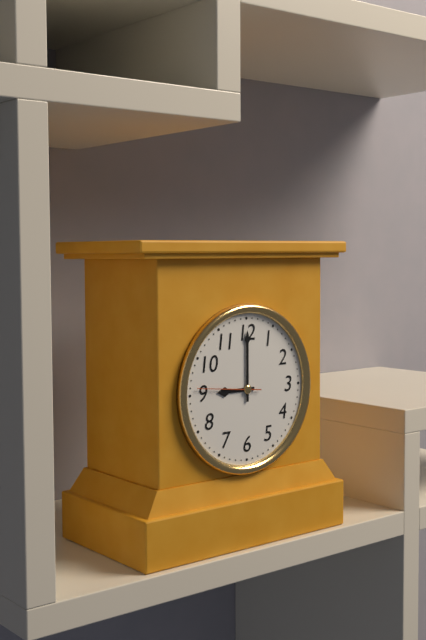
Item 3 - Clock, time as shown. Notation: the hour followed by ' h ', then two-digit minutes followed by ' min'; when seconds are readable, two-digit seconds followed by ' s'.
9 h 00 min 46 s
